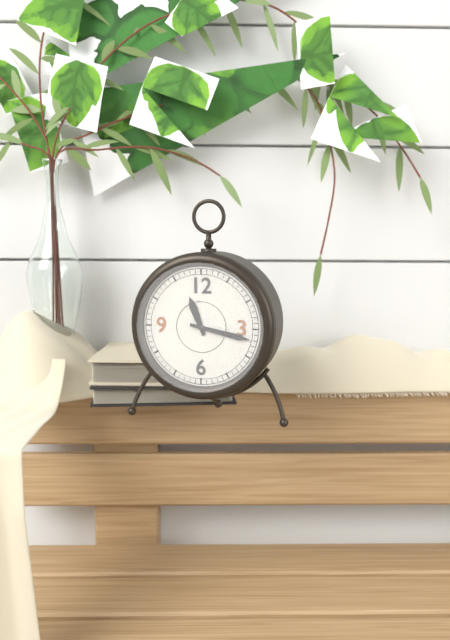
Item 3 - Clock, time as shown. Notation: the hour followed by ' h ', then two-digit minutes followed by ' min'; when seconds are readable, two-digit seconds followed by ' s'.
11 h 17 min
